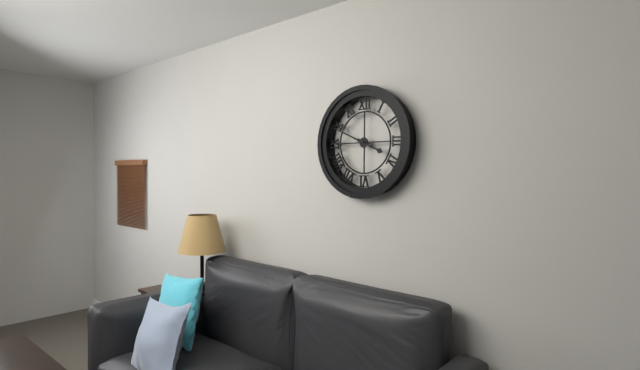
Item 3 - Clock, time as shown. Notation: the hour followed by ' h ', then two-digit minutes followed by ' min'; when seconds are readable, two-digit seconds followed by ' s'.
3 h 49 min
